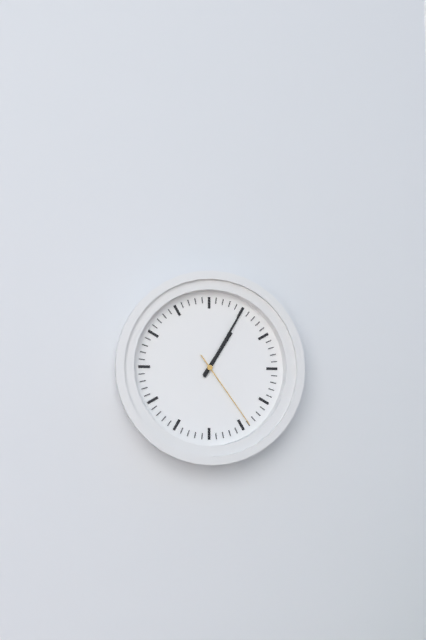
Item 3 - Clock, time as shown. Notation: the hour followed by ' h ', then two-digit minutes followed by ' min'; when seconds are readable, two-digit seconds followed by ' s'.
1 h 05 min 24 s
